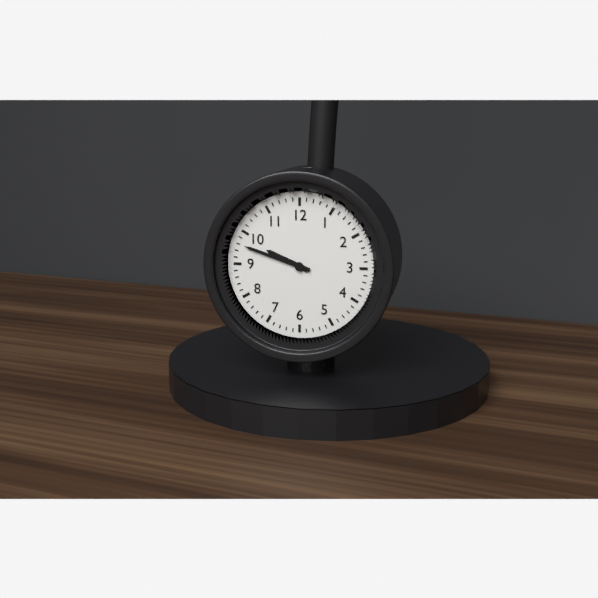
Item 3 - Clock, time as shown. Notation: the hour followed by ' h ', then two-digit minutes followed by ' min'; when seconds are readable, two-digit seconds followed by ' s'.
9 h 48 min
